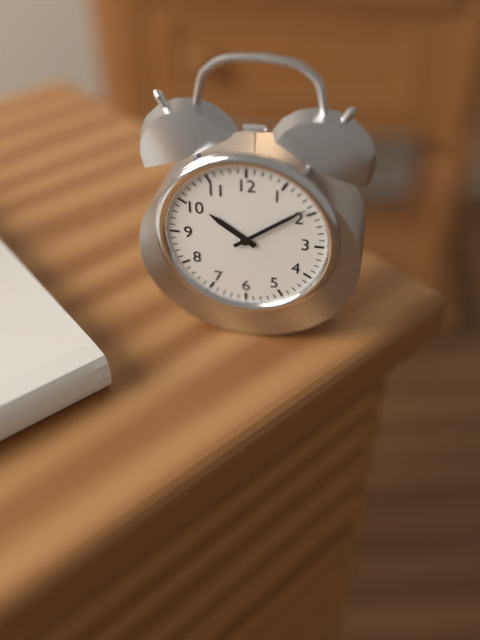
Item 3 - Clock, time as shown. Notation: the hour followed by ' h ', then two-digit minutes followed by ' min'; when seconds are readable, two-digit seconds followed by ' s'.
10 h 09 min
